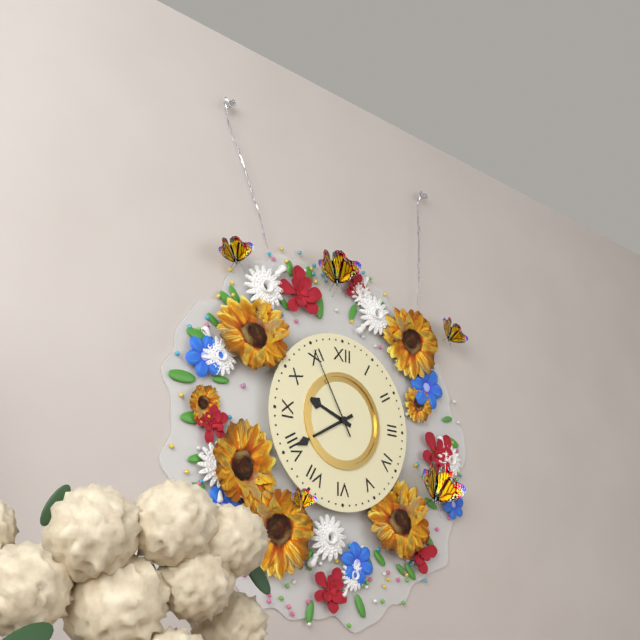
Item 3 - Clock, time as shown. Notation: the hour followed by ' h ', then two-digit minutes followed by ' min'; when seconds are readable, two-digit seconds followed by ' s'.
9 h 40 min 55 s
